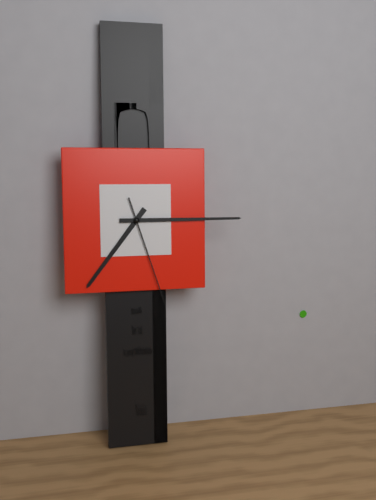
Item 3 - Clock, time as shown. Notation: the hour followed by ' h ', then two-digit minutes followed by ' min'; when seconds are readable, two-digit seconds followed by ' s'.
7 h 15 min 27 s
